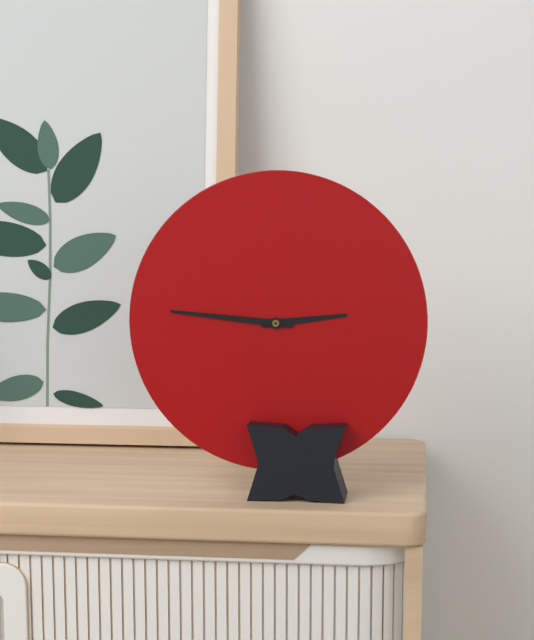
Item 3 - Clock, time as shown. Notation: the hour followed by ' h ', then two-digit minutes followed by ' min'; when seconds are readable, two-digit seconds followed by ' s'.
2 h 46 min
